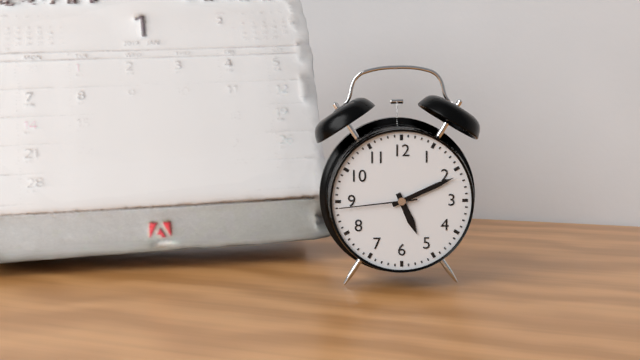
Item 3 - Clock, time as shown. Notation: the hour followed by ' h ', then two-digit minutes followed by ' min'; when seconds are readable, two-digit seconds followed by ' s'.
5 h 11 min 44 s
